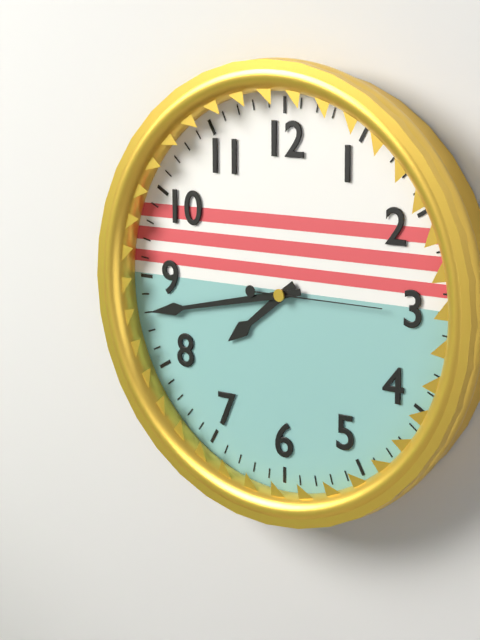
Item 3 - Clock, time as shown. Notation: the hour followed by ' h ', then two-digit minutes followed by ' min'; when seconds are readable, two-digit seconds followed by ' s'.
7 h 43 min 15 s
